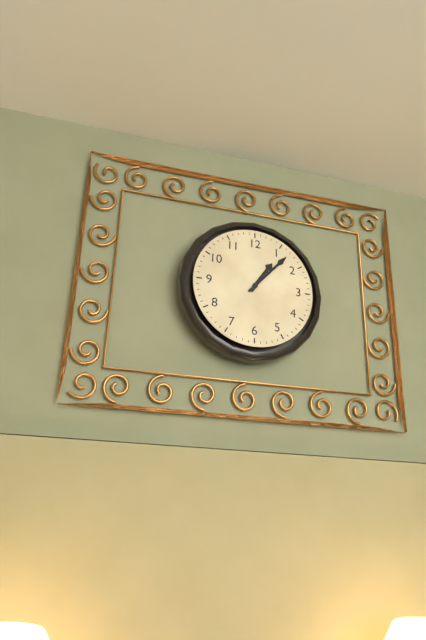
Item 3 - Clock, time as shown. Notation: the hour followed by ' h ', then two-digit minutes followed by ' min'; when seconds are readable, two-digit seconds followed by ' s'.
1 h 07 min
